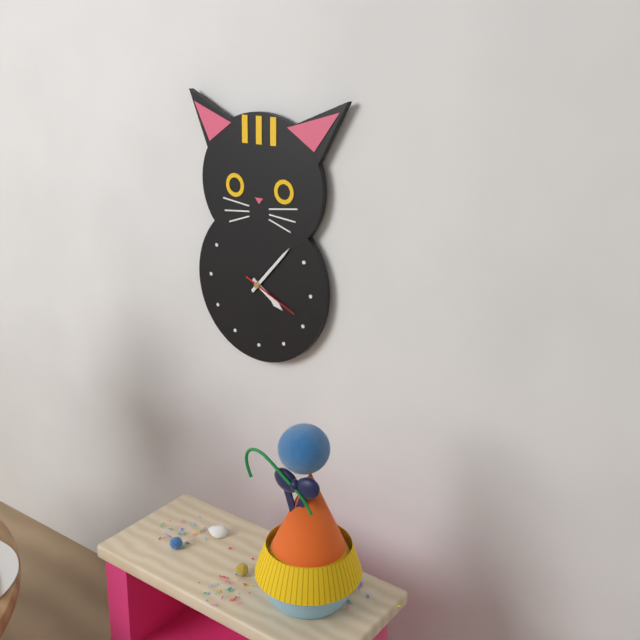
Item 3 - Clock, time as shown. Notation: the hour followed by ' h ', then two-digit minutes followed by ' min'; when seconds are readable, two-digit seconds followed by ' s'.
4 h 07 min 19 s
